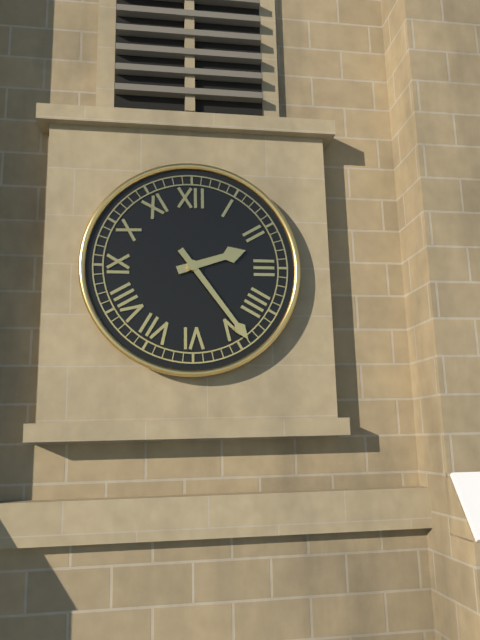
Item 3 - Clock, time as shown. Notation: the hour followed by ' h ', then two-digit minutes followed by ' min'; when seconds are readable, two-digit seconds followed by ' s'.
2 h 24 min
